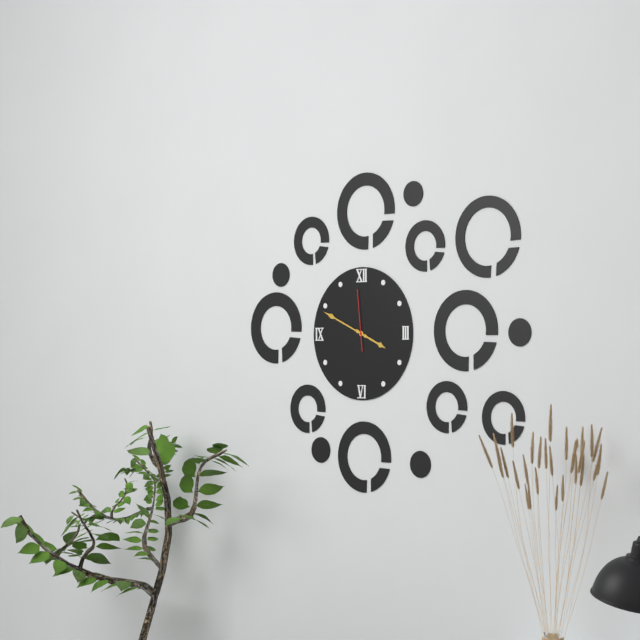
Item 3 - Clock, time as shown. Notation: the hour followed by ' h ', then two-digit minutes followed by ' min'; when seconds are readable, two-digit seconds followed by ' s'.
3 h 49 min 59 s
